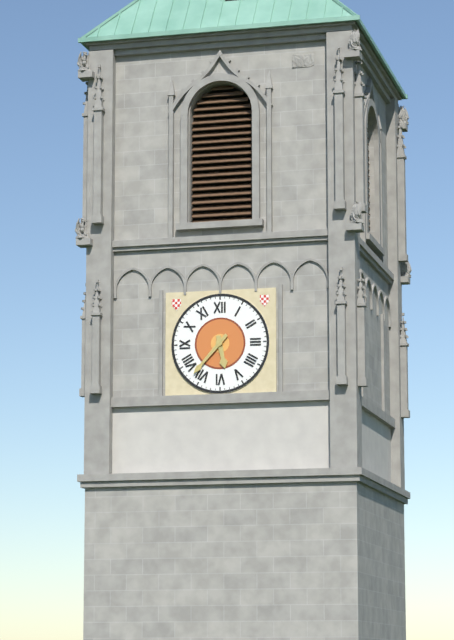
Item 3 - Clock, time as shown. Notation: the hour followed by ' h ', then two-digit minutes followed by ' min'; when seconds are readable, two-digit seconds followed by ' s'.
5 h 37 min
